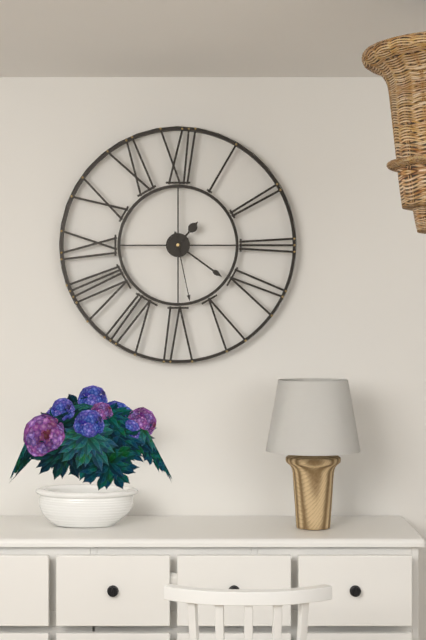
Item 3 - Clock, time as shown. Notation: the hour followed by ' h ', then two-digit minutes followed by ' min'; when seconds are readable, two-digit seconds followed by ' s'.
1 h 21 min 28 s
